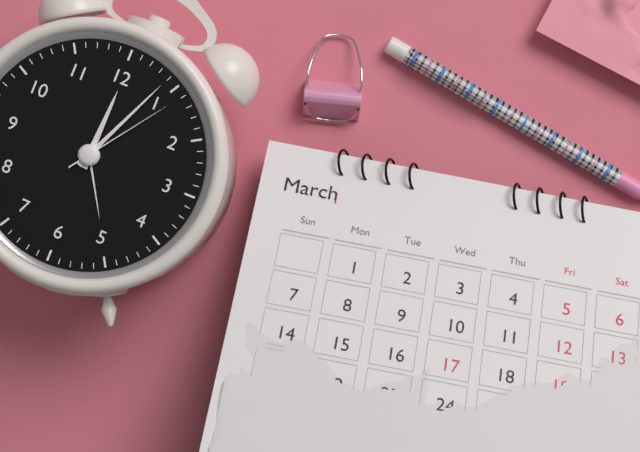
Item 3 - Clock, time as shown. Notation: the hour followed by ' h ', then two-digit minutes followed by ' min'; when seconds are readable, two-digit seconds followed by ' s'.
12 h 04 min 06 s
